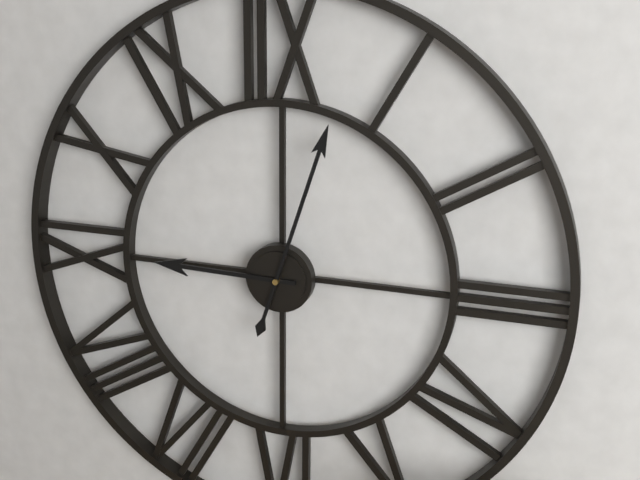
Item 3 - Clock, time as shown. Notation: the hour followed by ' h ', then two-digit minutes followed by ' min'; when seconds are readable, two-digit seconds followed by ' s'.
9 h 03 min
